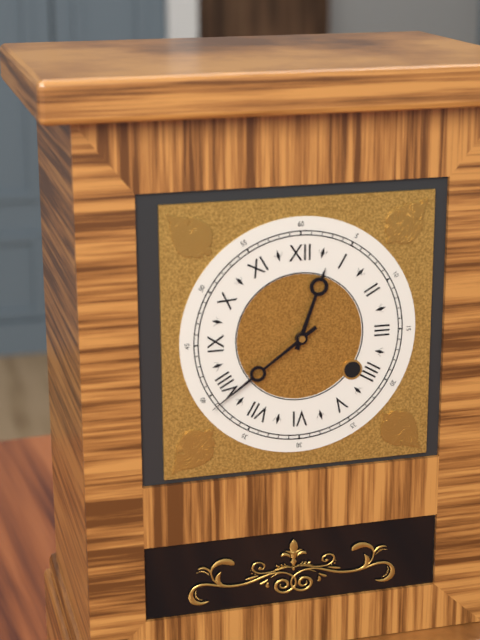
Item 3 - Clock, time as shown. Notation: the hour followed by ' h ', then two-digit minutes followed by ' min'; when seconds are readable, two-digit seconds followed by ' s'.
12 h 39 min
